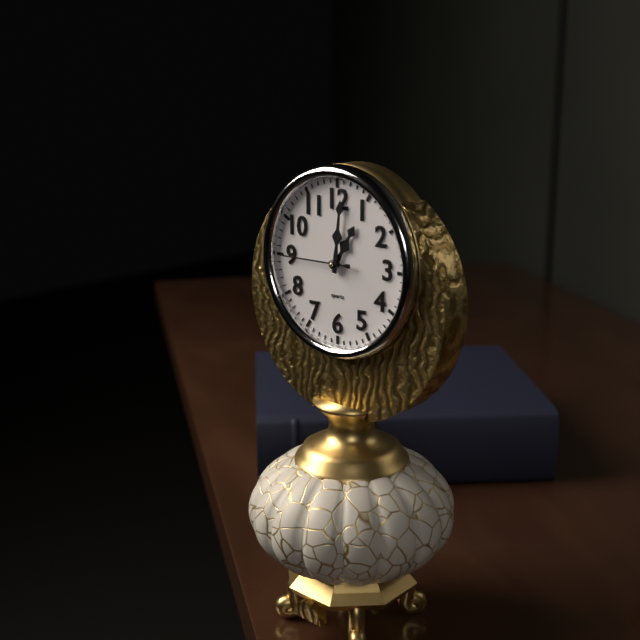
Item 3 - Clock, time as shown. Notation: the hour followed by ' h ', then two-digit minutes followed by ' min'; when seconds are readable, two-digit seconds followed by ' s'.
1 h 01 min 45 s
